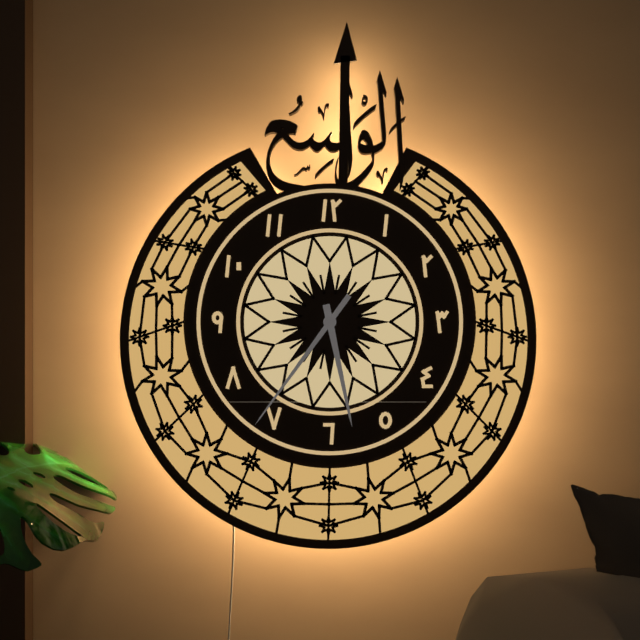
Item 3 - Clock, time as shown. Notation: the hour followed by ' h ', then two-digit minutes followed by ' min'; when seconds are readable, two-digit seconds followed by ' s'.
5 h 36 min
